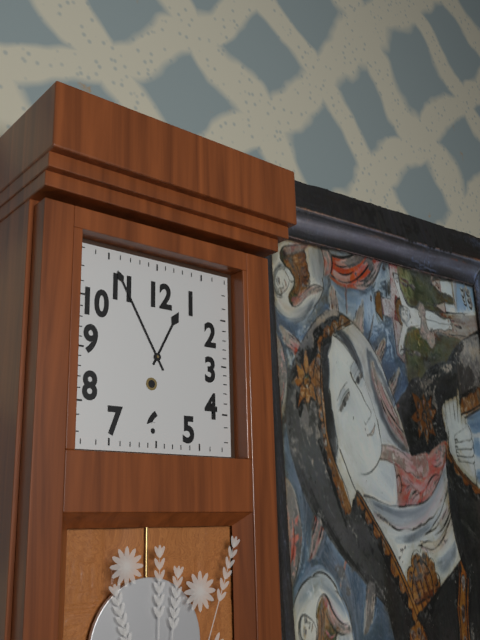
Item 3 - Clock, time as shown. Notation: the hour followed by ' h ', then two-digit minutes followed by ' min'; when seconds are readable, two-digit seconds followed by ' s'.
12 h 55 min
